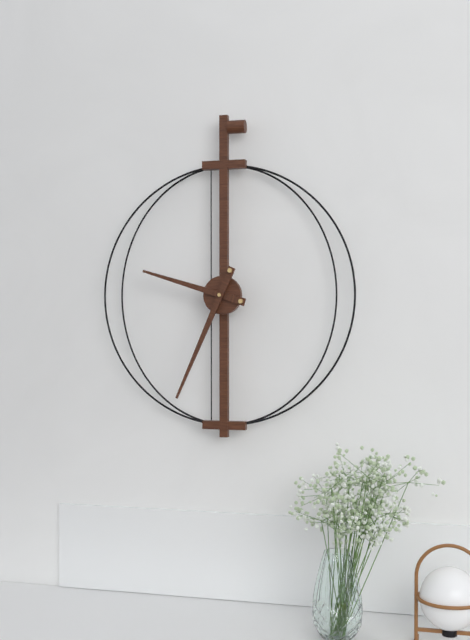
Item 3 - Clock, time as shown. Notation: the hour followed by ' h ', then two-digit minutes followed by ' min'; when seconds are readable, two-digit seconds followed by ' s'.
9 h 34 min
